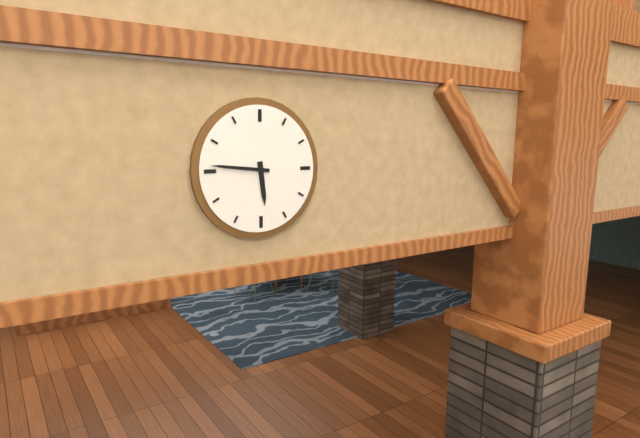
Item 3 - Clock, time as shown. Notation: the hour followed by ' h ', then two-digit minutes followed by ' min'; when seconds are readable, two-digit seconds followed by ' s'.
5 h 46 min
